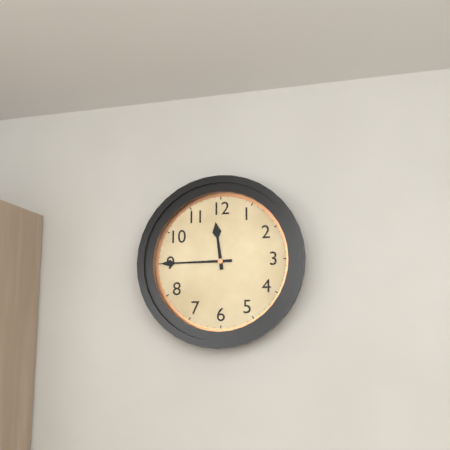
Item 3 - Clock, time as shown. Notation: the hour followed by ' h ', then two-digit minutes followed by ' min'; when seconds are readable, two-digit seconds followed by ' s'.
11 h 45 min
